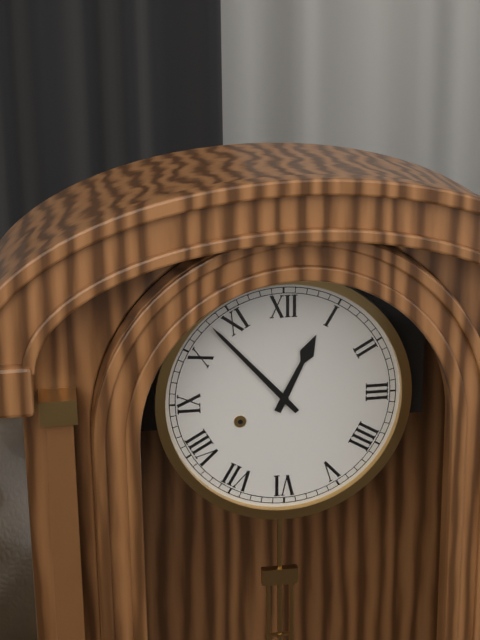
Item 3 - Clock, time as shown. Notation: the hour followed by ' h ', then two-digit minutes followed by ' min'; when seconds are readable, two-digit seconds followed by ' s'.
12 h 53 min
